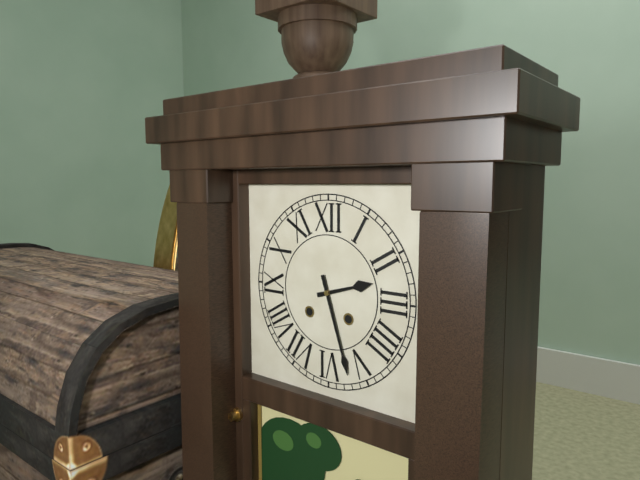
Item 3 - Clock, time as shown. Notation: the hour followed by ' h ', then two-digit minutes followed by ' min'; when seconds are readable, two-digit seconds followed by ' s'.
2 h 27 min
